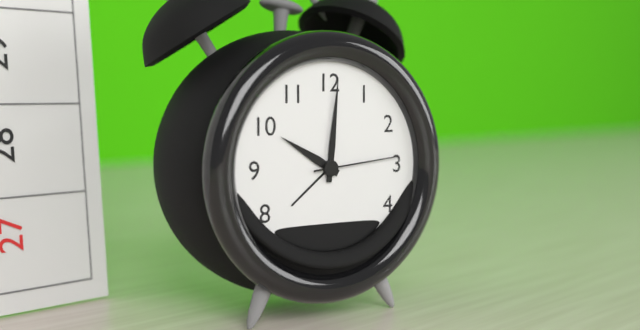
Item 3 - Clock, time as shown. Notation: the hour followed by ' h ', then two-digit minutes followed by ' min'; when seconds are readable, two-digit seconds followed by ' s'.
10 h 01 min 14 s
